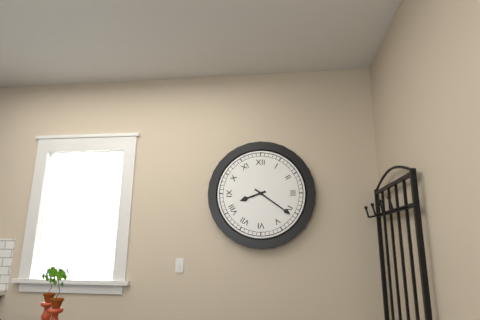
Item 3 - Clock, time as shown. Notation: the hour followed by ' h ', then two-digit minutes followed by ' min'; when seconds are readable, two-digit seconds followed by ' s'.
8 h 21 min
